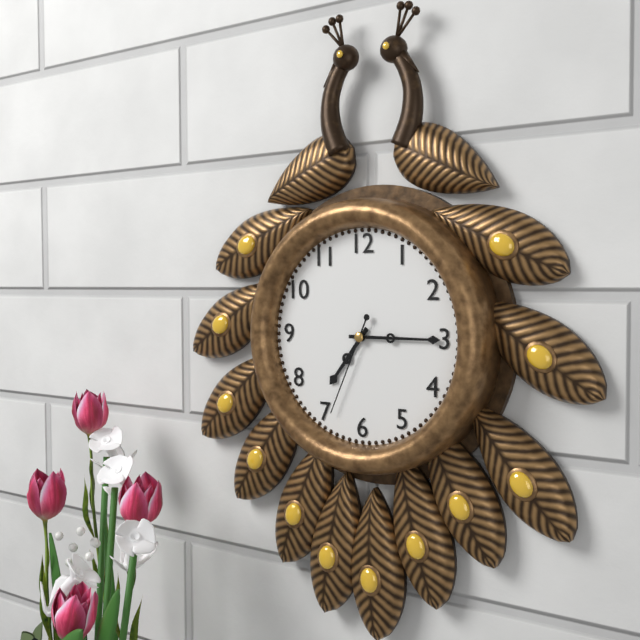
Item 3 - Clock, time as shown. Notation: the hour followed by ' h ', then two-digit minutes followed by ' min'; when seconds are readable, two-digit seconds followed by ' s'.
7 h 15 min 34 s
